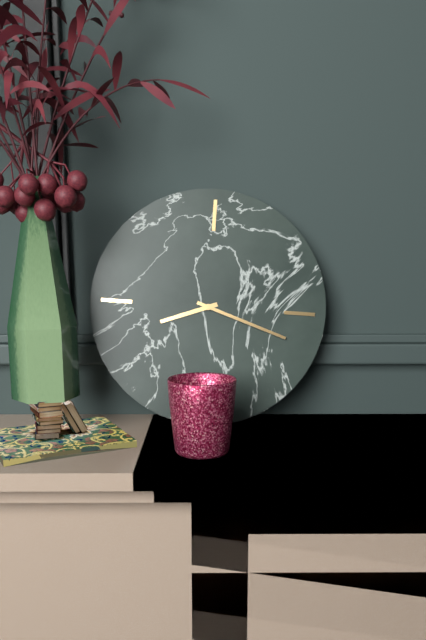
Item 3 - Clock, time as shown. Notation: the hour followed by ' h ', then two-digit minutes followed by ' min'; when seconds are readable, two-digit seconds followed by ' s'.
8 h 18 min
